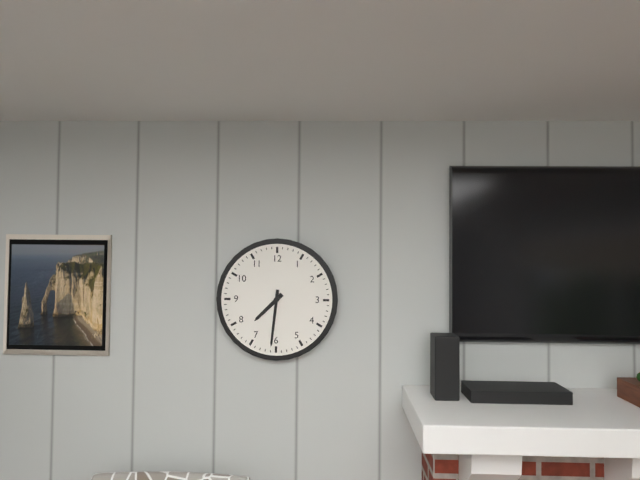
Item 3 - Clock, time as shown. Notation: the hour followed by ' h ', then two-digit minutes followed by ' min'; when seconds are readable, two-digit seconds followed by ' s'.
7 h 31 min
